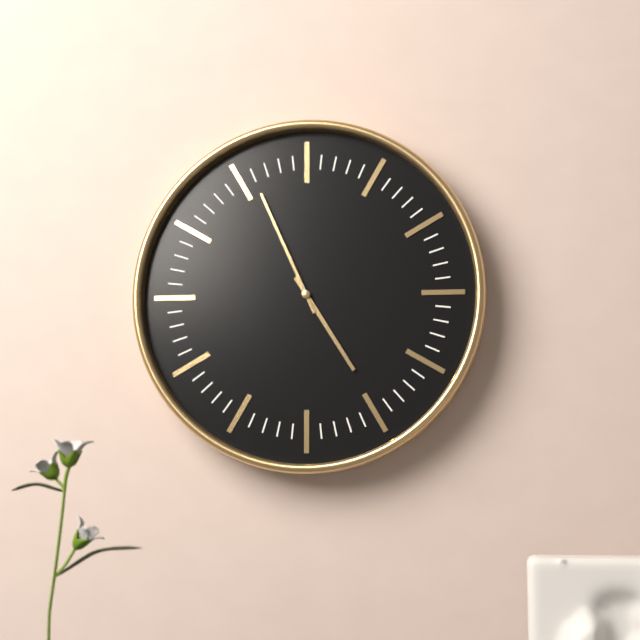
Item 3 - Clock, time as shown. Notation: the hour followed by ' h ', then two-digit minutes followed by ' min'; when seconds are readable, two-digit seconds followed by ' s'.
4 h 56 min
